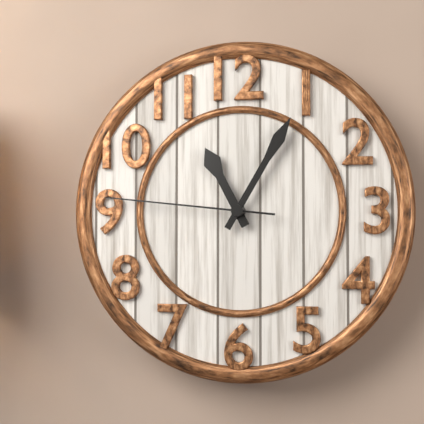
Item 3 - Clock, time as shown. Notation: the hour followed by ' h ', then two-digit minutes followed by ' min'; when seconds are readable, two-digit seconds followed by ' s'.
11 h 05 min 46 s
